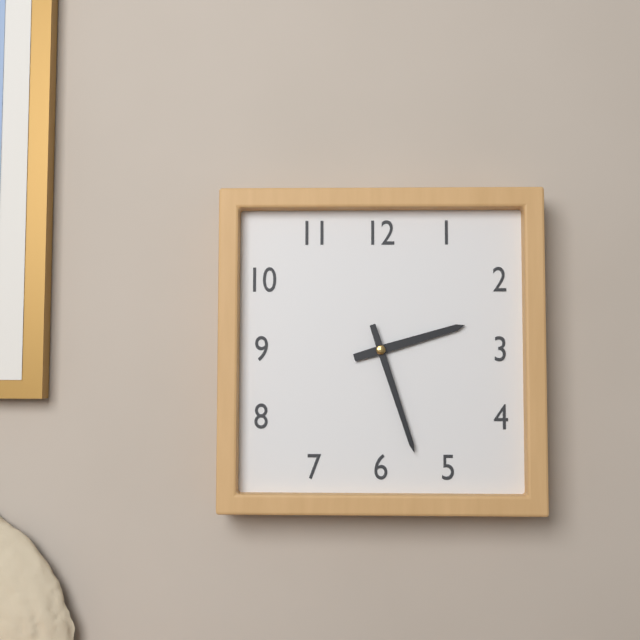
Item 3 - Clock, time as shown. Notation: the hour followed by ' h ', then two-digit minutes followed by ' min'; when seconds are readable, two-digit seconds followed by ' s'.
2 h 27 min
